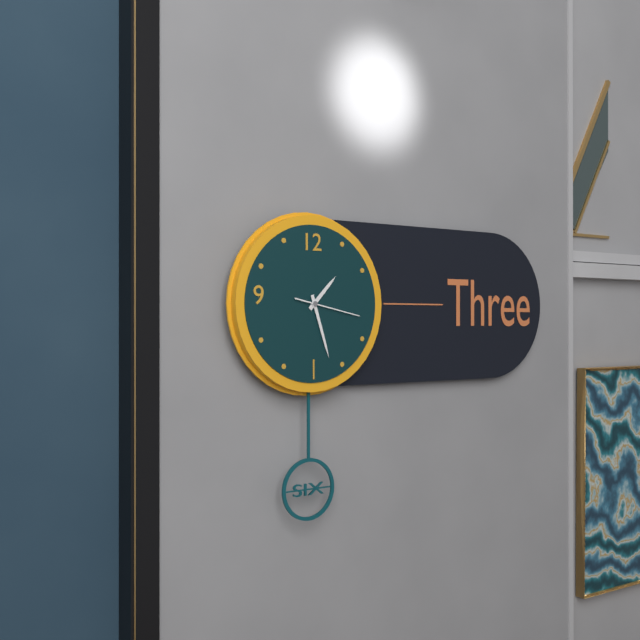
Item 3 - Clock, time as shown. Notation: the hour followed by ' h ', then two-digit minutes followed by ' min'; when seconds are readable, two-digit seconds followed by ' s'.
1 h 27 min 17 s
